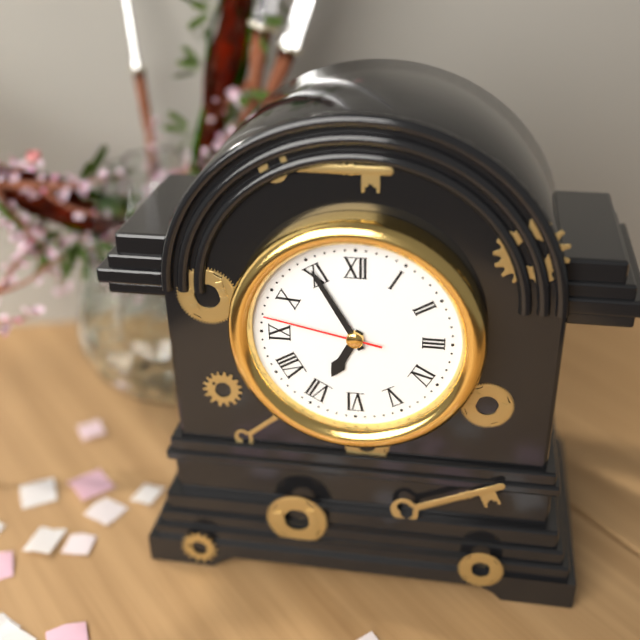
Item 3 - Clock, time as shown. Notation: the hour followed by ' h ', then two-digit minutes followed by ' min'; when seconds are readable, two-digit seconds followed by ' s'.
6 h 55 min 47 s
